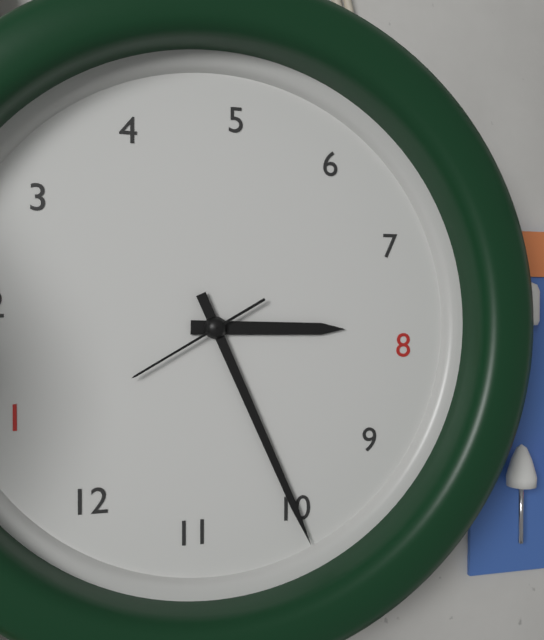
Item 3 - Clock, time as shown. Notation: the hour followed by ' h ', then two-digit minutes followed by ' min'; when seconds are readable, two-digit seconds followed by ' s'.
7 h 50 min 04 s
